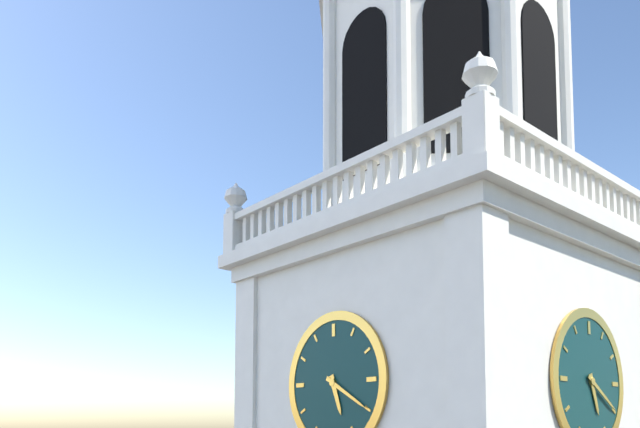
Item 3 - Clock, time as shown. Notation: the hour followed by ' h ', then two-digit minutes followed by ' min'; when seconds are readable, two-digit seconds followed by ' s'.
5 h 20 min
